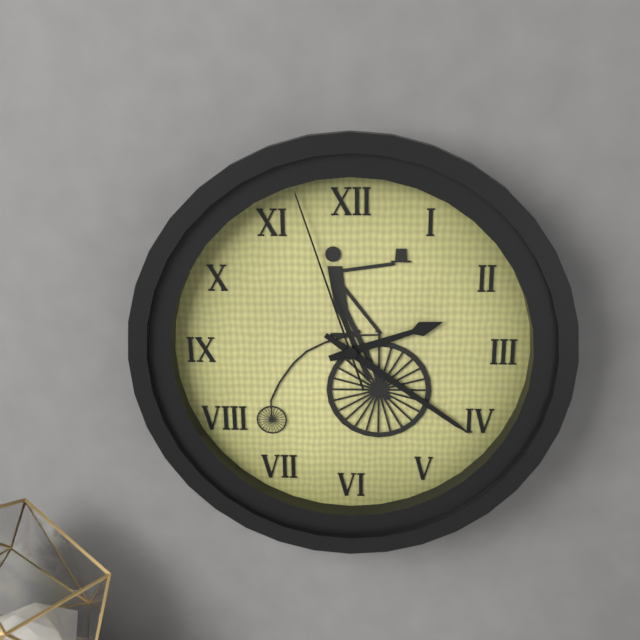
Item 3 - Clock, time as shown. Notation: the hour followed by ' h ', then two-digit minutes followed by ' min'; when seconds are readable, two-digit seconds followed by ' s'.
2 h 21 min 57 s
